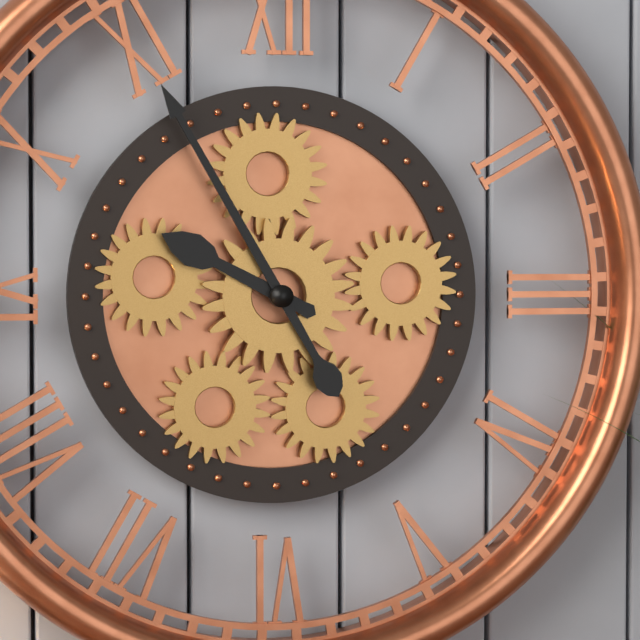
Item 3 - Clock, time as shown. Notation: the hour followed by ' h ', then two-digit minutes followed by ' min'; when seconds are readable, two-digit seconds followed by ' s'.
9 h 55 min
